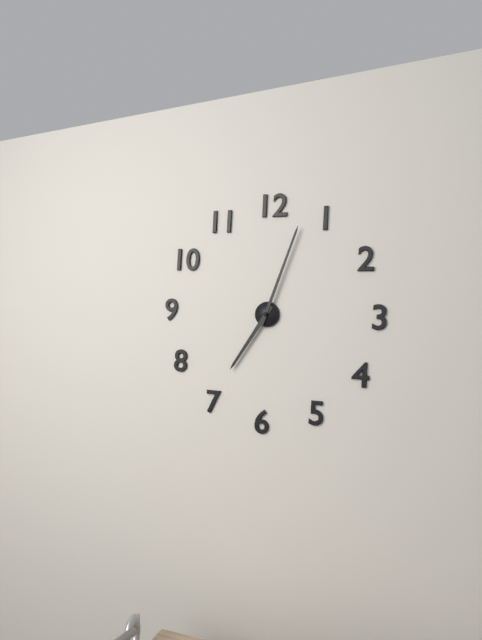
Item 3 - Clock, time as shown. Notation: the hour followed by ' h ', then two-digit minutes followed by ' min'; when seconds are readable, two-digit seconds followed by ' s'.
7 h 03 min
